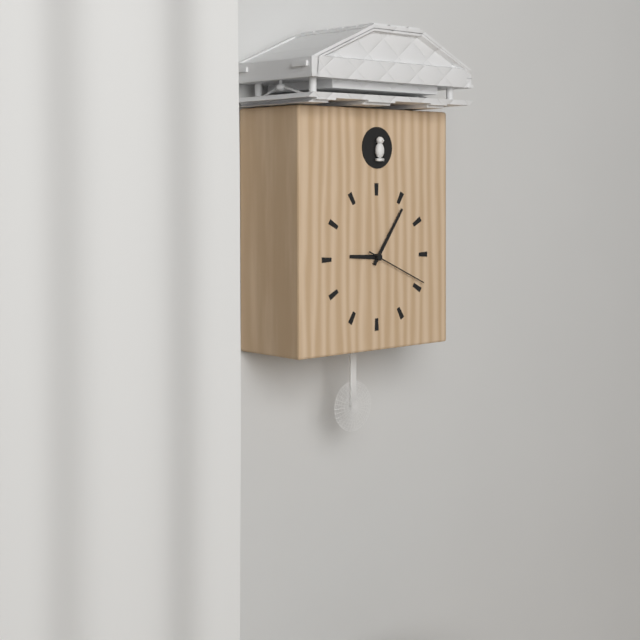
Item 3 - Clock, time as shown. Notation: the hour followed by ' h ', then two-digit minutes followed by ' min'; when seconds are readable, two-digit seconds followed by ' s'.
9 h 06 min 19 s
